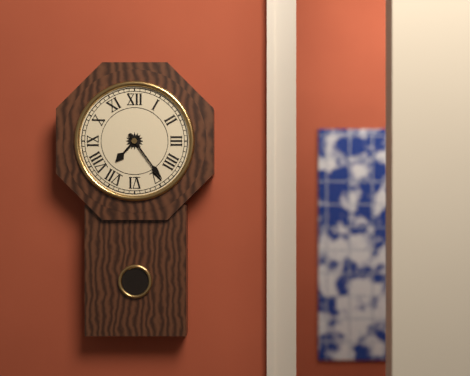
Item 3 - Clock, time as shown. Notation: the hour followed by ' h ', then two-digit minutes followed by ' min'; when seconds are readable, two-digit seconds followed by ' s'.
7 h 24 min
